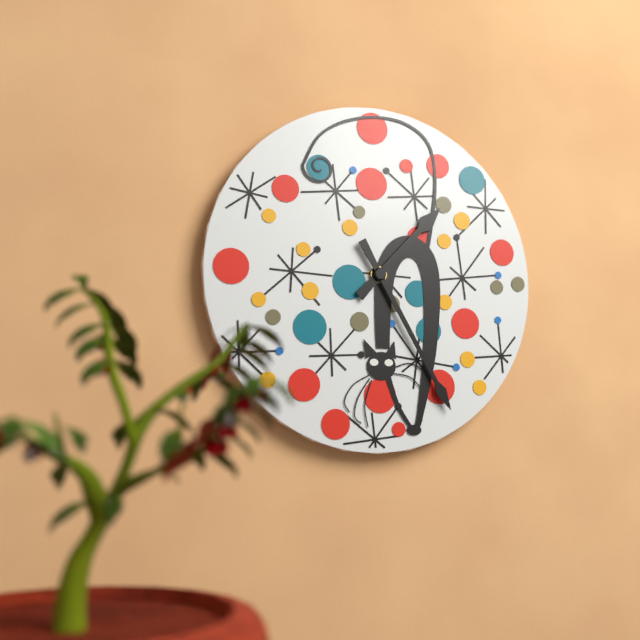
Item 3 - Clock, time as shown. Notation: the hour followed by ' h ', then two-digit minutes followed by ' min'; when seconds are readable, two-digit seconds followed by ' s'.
1 h 25 min
